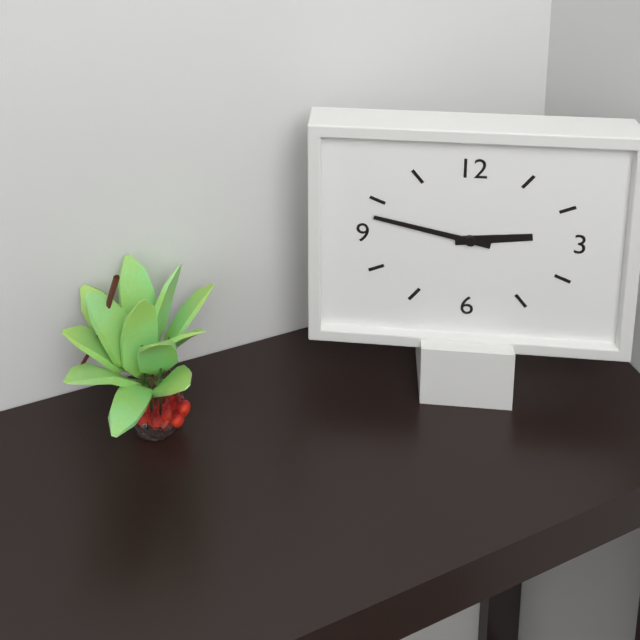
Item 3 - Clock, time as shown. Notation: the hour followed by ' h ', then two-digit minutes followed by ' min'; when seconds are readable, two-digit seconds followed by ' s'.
2 h 47 min
